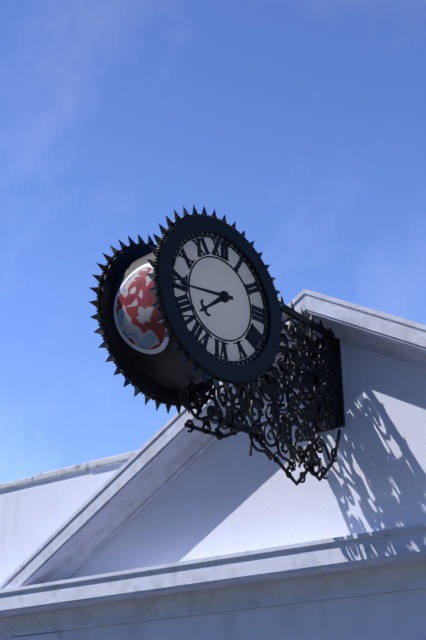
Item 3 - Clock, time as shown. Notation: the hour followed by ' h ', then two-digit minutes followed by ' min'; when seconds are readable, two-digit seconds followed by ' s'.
7 h 44 min
